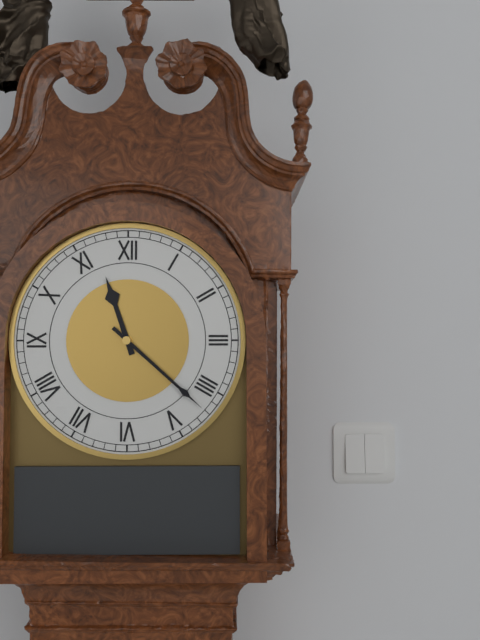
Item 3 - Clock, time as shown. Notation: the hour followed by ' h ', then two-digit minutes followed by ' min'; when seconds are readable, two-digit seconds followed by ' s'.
11 h 22 min
